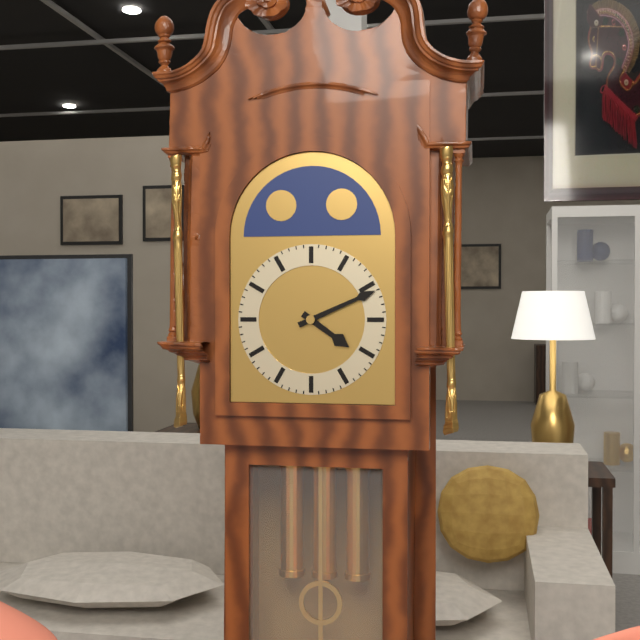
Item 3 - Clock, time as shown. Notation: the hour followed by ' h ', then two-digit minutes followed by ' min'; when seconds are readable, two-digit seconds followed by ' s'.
4 h 11 min
